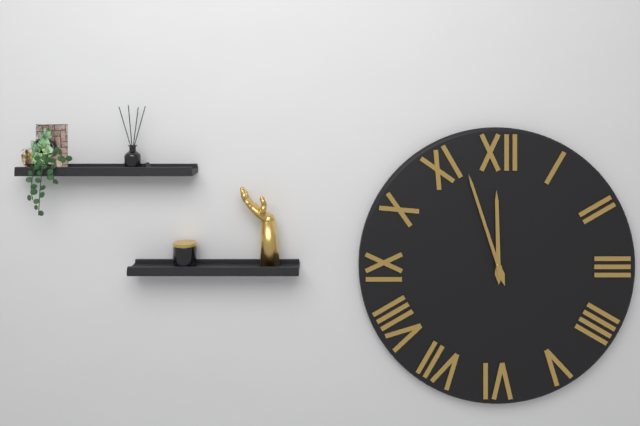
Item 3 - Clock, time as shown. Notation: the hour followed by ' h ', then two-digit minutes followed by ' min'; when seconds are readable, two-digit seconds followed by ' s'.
11 h 57 min
